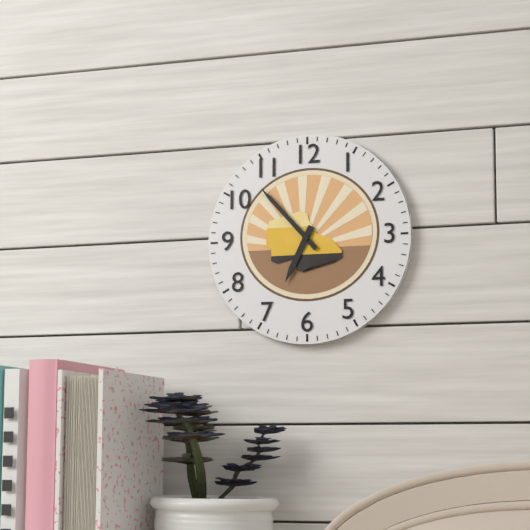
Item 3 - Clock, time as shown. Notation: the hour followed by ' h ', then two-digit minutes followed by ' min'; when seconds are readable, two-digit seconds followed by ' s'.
6 h 53 min
